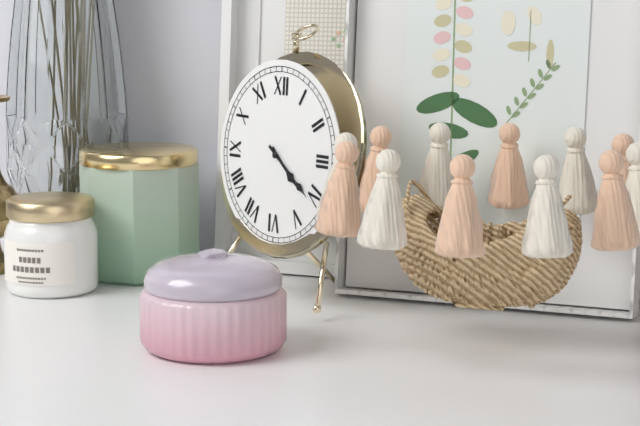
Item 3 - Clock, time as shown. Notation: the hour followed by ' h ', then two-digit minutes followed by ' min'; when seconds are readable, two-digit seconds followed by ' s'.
4 h 21 min
